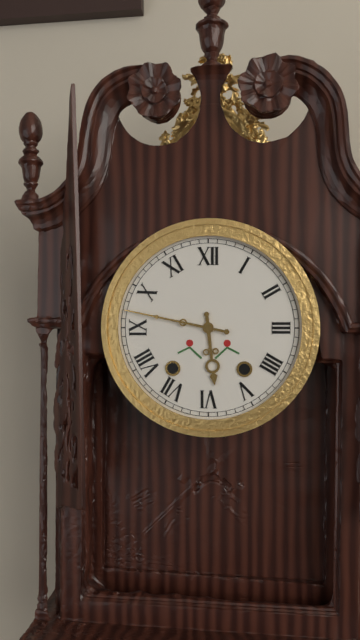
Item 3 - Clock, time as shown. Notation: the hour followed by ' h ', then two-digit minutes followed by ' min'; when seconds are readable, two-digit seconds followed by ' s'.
5 h 47 min
